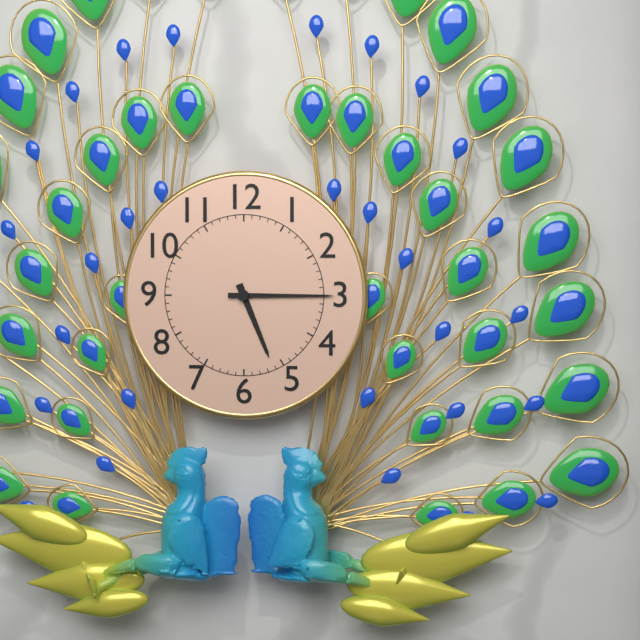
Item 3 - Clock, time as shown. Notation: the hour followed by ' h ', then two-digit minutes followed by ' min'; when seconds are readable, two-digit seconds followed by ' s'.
5 h 15 min
